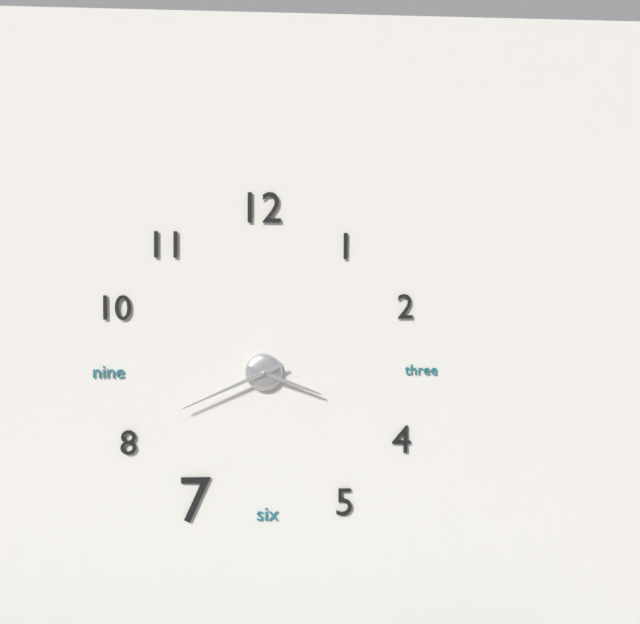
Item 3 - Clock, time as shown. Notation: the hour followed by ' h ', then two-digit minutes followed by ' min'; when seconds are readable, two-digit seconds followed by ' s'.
3 h 41 min
